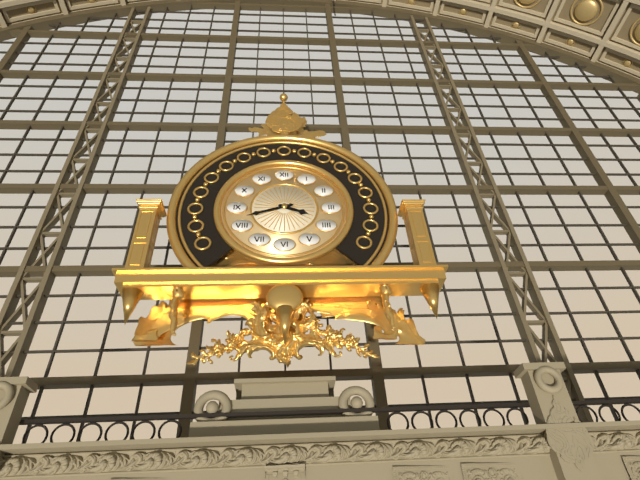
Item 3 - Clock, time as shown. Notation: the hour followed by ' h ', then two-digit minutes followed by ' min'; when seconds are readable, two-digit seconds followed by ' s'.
3 h 42 min
